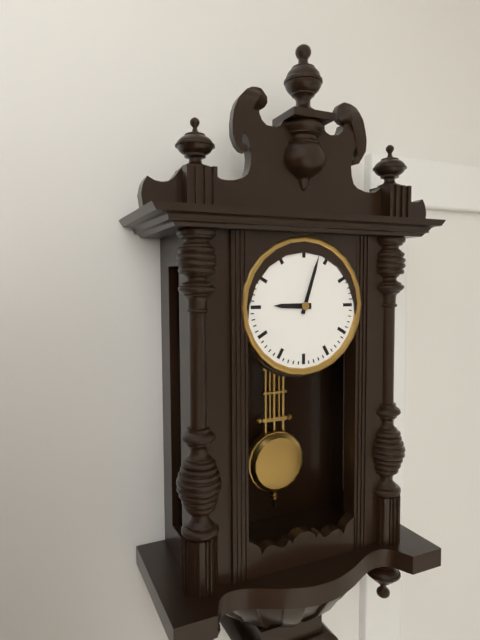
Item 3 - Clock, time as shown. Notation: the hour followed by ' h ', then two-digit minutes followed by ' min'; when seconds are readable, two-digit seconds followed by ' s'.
9 h 03 min
